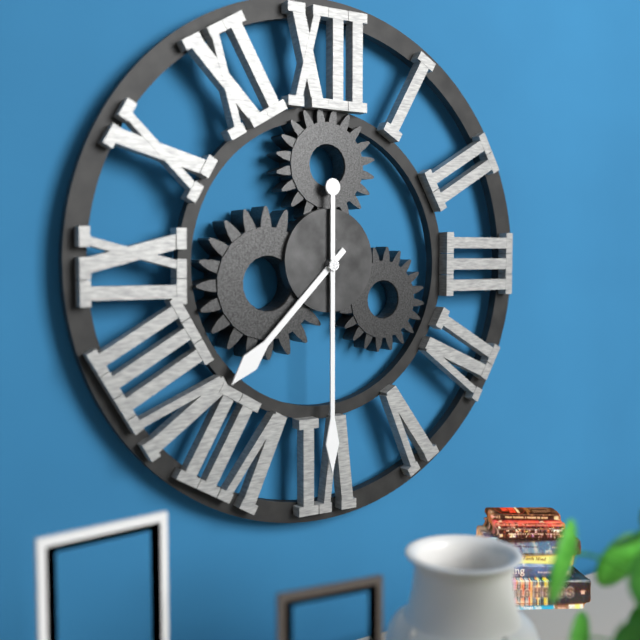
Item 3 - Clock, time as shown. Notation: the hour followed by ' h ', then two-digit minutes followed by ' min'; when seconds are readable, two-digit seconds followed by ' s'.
7 h 30 min
